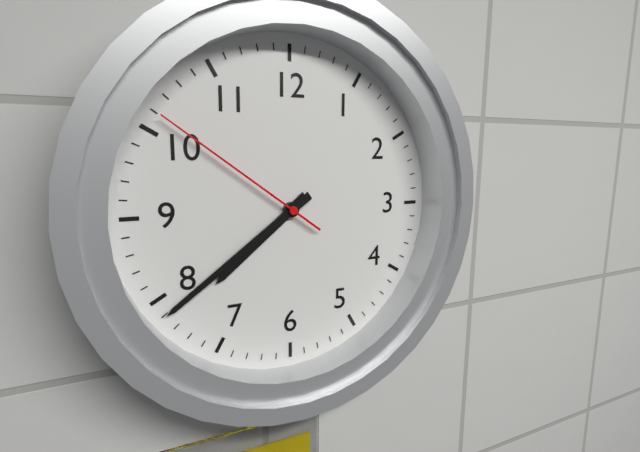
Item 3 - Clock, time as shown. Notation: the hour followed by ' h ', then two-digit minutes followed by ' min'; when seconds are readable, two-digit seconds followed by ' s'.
7 h 39 min 51 s
